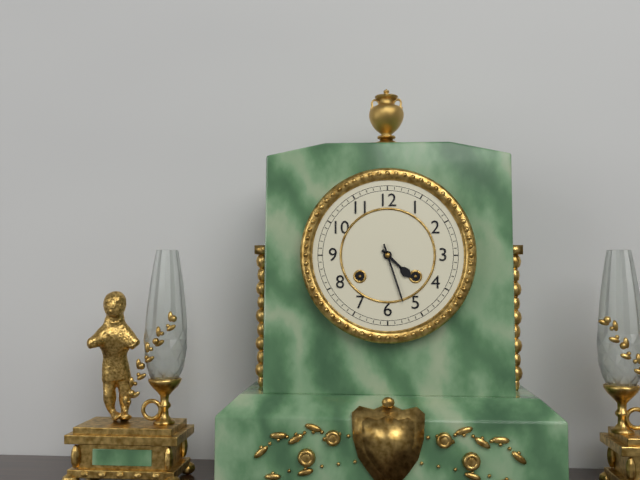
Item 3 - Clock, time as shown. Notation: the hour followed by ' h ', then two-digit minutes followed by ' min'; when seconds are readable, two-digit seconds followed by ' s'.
4 h 27 min
